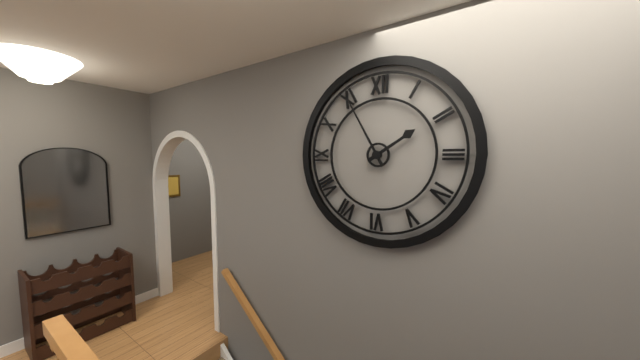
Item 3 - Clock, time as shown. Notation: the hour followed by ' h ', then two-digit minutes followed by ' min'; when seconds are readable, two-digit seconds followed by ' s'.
1 h 55 min
